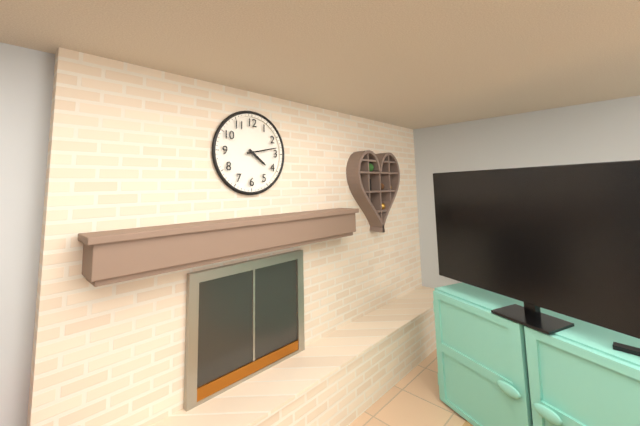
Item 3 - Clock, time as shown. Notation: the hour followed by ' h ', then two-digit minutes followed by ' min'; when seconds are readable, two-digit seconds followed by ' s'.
4 h 13 min
